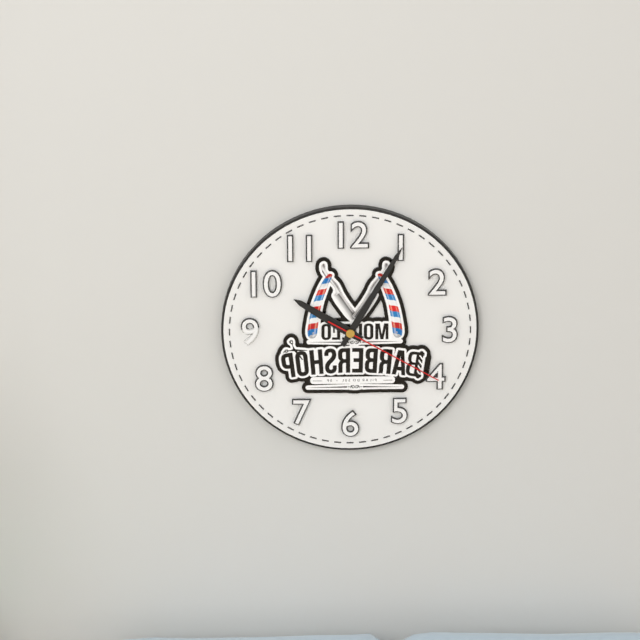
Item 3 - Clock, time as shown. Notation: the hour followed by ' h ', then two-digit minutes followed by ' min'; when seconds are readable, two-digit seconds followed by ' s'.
10 h 05 min 20 s
